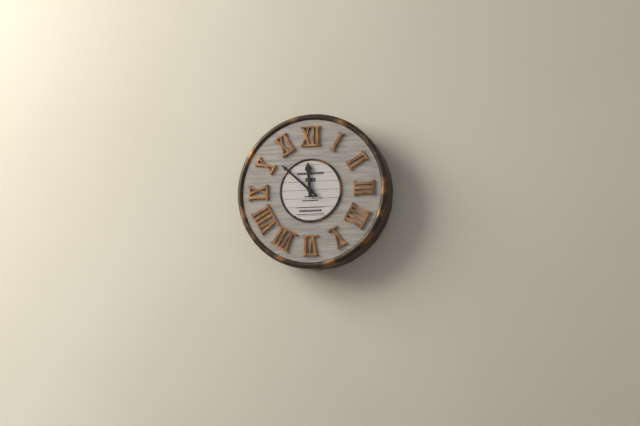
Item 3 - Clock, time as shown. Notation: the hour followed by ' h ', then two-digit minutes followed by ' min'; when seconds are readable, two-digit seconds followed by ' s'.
11 h 52 min
